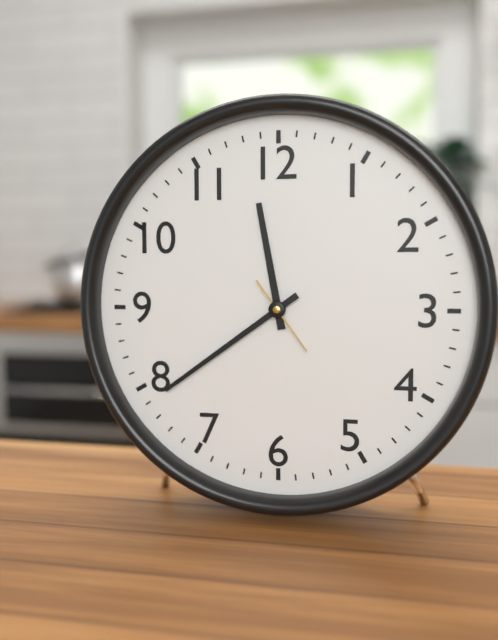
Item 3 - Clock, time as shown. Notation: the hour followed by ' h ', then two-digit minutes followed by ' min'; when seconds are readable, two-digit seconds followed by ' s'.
11 h 39 min 24 s
